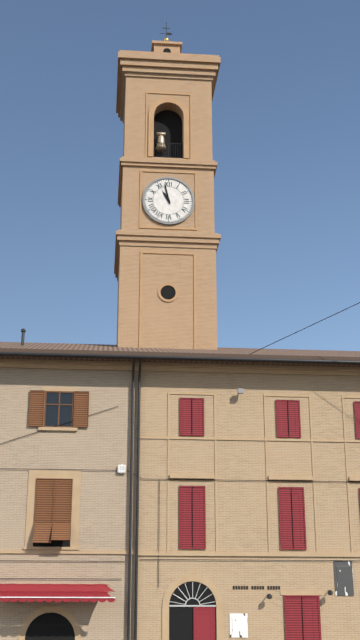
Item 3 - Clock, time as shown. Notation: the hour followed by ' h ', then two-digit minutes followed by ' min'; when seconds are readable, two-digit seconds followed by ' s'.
10 h 58 min
